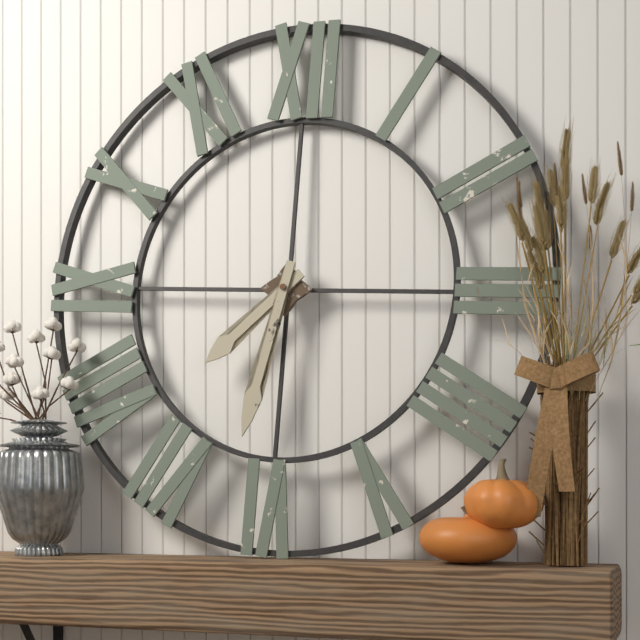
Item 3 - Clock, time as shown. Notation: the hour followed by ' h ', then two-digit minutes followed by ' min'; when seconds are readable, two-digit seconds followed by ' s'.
7 h 32 min
